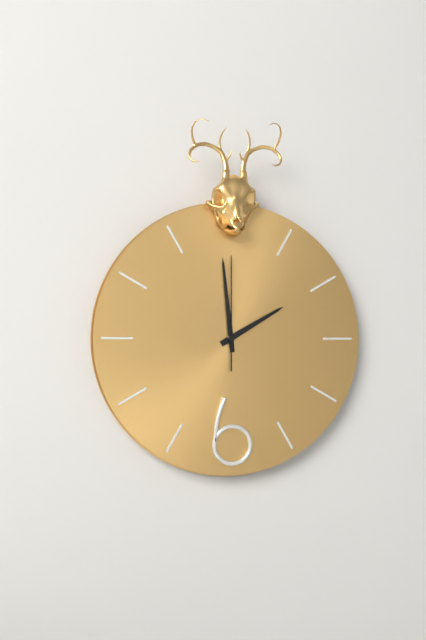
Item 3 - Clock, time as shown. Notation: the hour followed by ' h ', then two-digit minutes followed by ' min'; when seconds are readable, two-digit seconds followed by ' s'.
1 h 59 min 00 s
